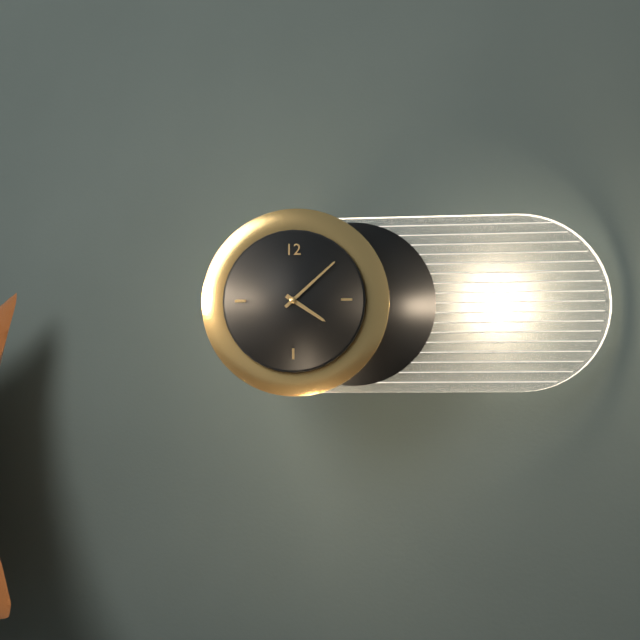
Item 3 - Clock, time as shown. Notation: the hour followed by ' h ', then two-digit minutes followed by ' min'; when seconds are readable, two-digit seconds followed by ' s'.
4 h 08 min
